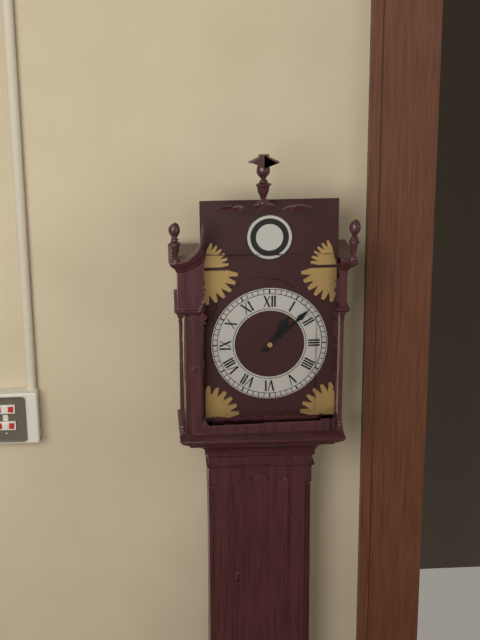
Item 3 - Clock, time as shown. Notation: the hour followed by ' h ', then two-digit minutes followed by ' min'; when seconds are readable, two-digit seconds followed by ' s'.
1 h 08 min
